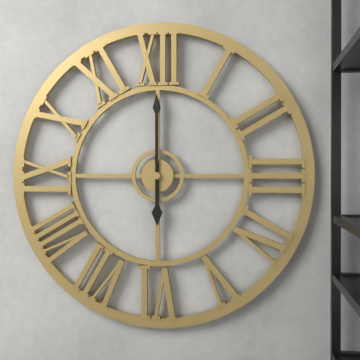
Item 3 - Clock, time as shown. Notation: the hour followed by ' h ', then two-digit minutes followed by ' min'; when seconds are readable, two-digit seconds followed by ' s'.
6 h 00 min
